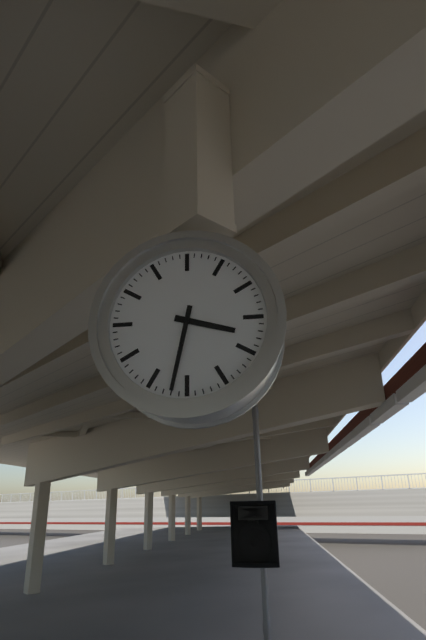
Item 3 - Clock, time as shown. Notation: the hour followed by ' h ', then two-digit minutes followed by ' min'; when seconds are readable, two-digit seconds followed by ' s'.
3 h 32 min
